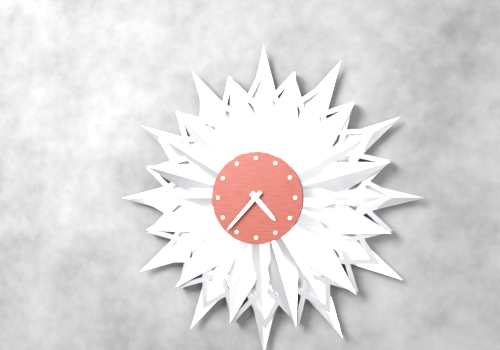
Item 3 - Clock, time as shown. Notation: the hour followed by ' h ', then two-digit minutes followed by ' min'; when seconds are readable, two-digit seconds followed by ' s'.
4 h 37 min
